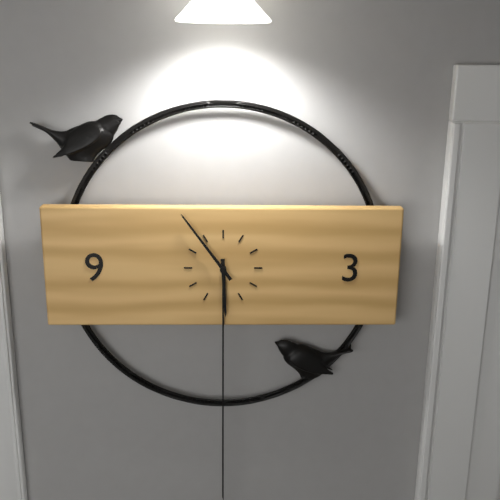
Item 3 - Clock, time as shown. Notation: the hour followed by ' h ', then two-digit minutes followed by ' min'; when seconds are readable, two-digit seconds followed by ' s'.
5 h 54 min
